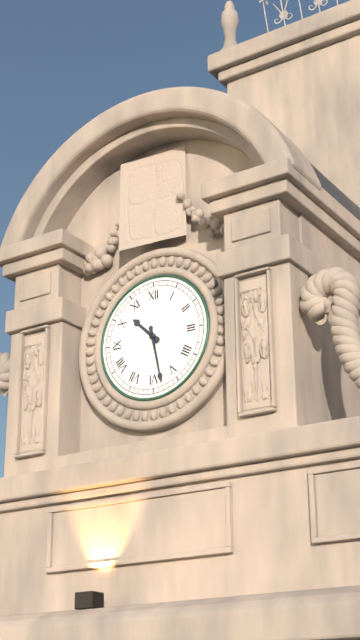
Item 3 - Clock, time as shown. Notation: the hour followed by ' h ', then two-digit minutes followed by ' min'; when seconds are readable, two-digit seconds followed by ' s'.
10 h 28 min
